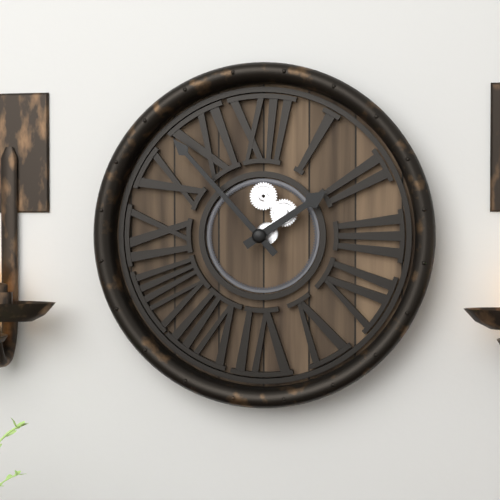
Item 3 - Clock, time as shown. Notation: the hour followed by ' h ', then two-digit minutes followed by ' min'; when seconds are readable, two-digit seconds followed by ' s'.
1 h 53 min
